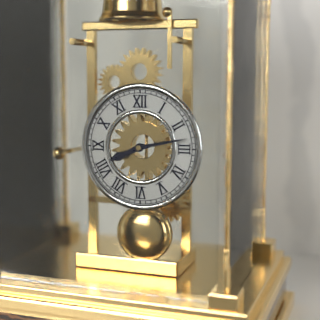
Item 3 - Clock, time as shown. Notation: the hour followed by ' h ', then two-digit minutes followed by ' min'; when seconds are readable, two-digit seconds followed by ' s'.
8 h 13 min
